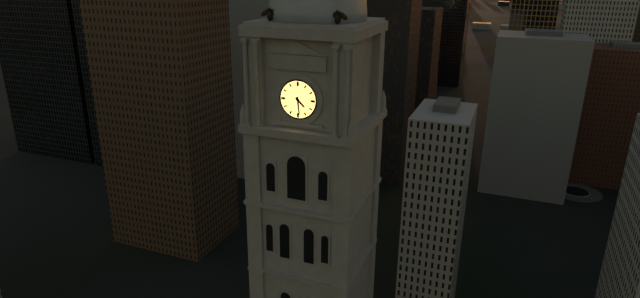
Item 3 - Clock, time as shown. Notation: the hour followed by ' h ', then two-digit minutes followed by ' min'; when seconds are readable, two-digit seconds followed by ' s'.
4 h 29 min
